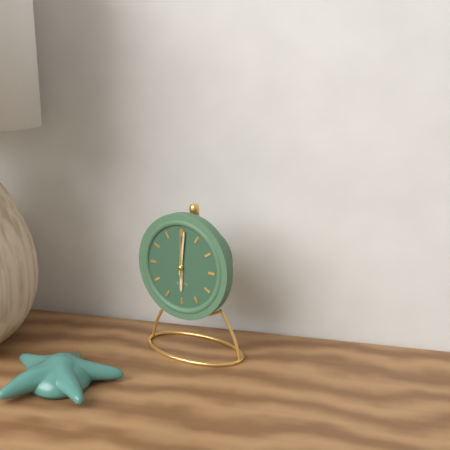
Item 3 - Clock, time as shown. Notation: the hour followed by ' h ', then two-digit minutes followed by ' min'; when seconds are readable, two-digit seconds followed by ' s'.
6 h 01 min
